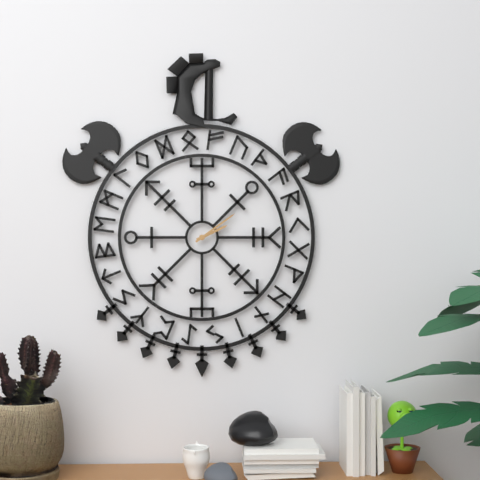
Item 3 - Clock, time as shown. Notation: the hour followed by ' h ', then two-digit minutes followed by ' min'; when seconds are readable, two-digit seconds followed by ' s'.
2 h 09 min
